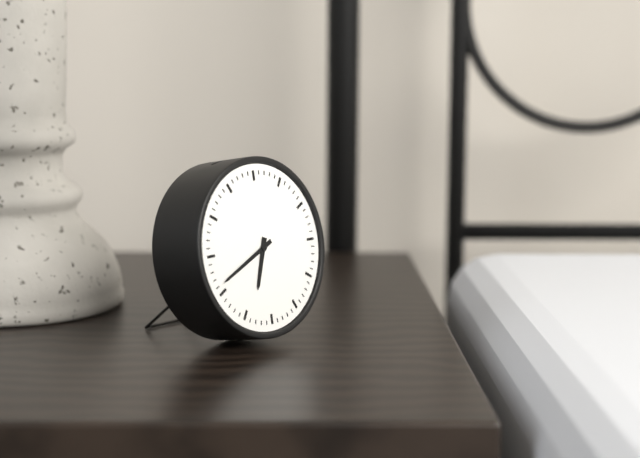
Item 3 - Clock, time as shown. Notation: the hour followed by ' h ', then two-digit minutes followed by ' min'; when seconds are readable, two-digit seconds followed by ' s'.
6 h 41 min
